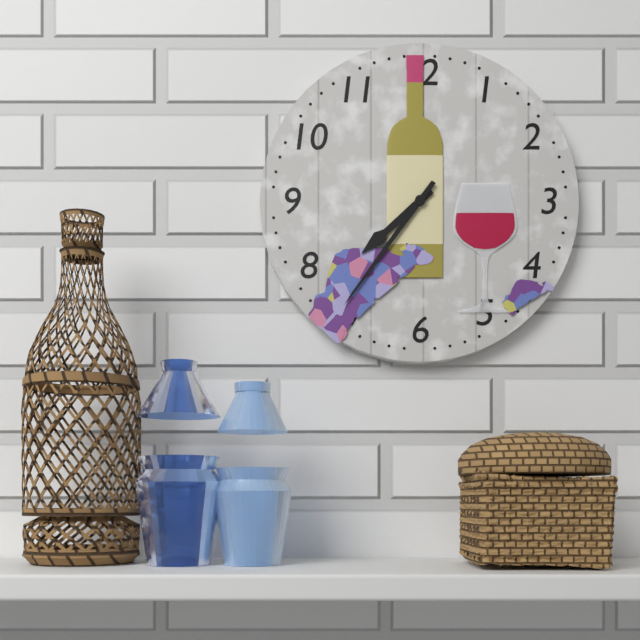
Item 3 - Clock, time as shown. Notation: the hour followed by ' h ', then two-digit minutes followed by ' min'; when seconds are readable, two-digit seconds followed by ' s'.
7 h 36 min
